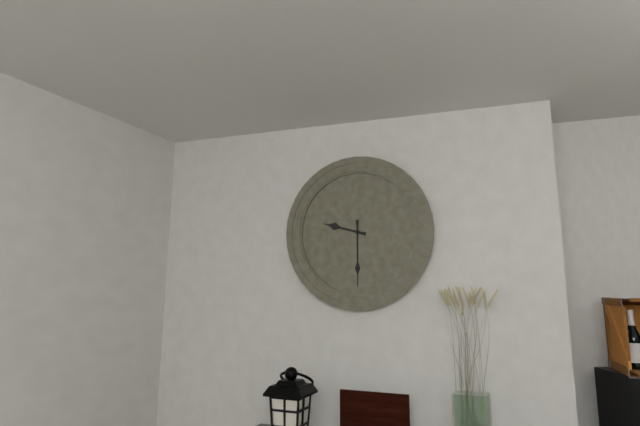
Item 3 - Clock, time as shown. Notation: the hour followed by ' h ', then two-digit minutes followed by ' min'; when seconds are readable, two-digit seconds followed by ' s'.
9 h 30 min
